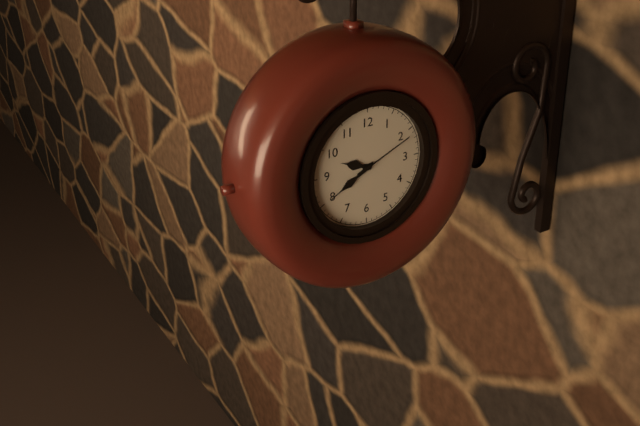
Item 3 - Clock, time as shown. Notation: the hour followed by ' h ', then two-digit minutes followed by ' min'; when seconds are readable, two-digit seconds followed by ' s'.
9 h 40 min 11 s
